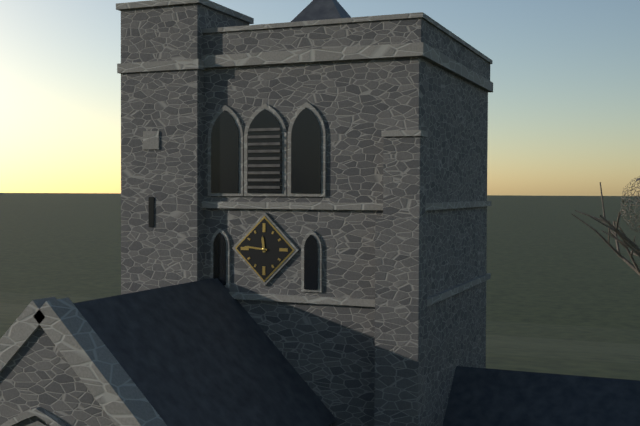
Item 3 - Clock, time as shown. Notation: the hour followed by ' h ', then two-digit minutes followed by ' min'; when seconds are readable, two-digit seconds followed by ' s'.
11 h 46 min
